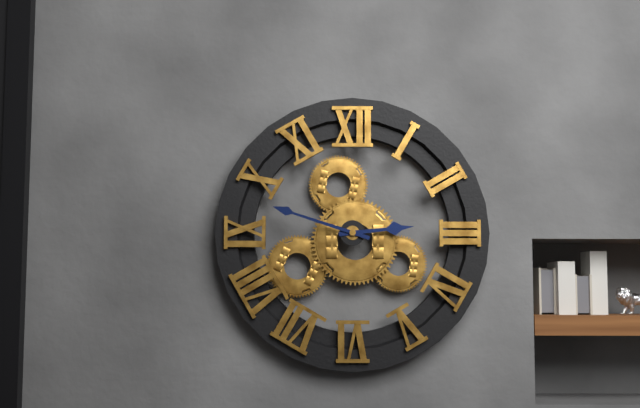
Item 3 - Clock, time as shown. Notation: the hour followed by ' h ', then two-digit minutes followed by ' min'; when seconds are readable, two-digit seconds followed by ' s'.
2 h 48 min
